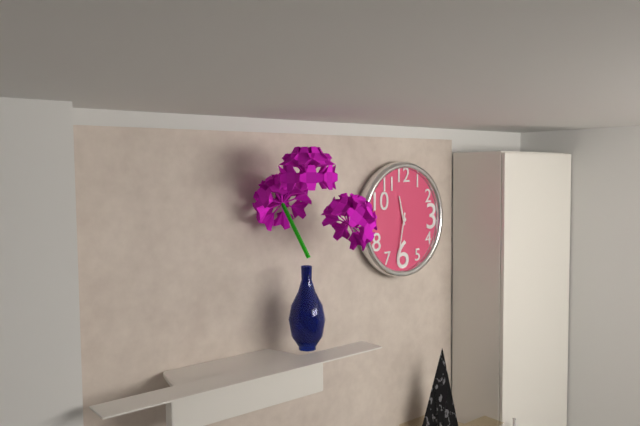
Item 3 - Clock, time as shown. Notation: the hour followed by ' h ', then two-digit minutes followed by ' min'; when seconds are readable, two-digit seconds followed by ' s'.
11 h 32 min
